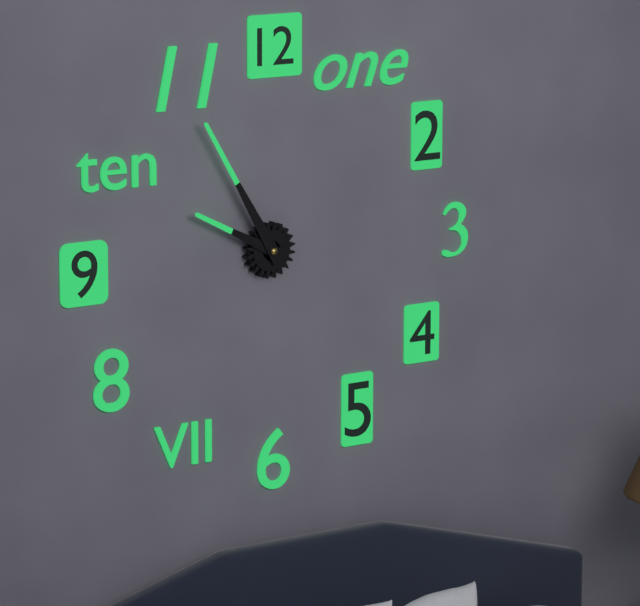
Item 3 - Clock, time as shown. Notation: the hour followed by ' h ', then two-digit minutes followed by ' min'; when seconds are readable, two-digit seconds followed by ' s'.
9 h 55 min
